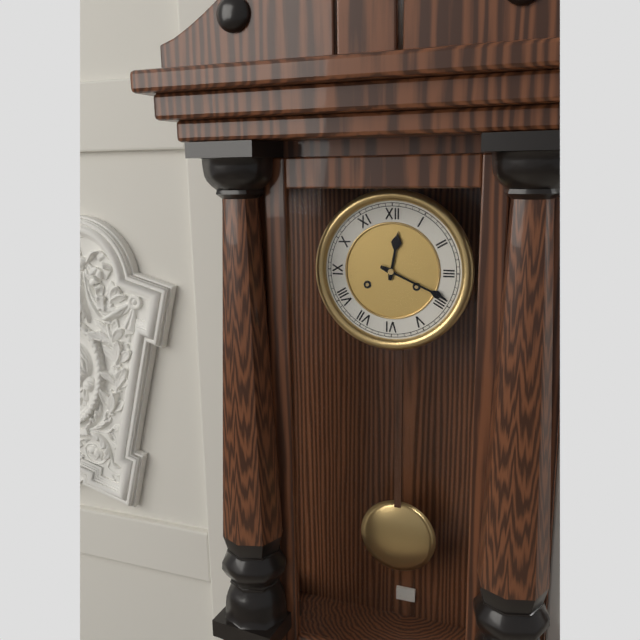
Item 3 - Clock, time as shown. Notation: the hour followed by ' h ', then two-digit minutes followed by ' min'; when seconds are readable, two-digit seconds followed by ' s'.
12 h 19 min
